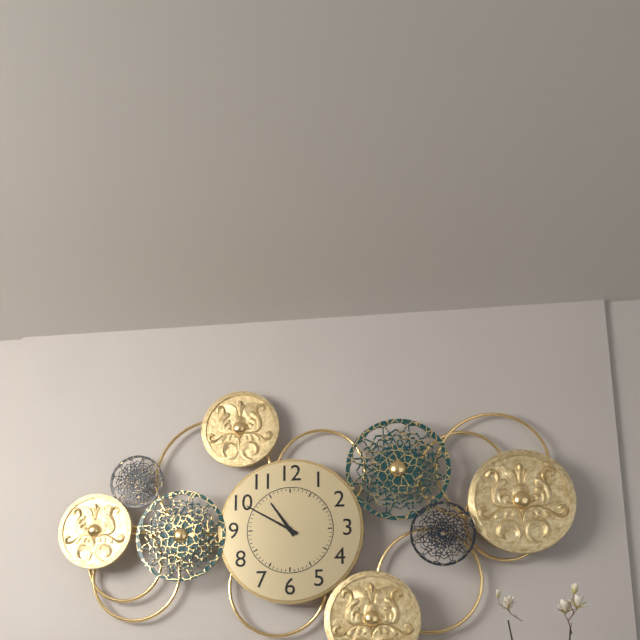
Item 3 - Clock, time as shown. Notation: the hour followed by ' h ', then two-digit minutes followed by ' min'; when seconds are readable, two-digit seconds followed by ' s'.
10 h 50 min
